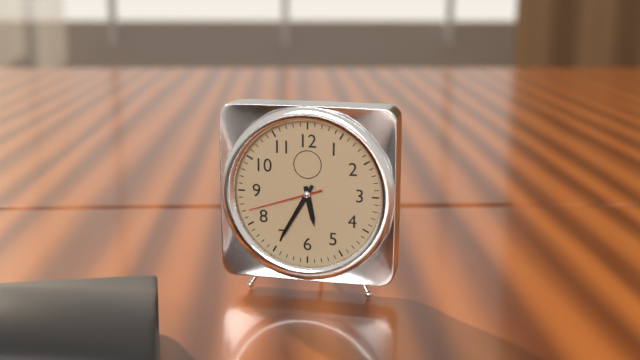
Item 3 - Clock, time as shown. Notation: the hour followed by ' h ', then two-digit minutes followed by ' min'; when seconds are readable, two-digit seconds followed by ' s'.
5 h 35 min 42 s
